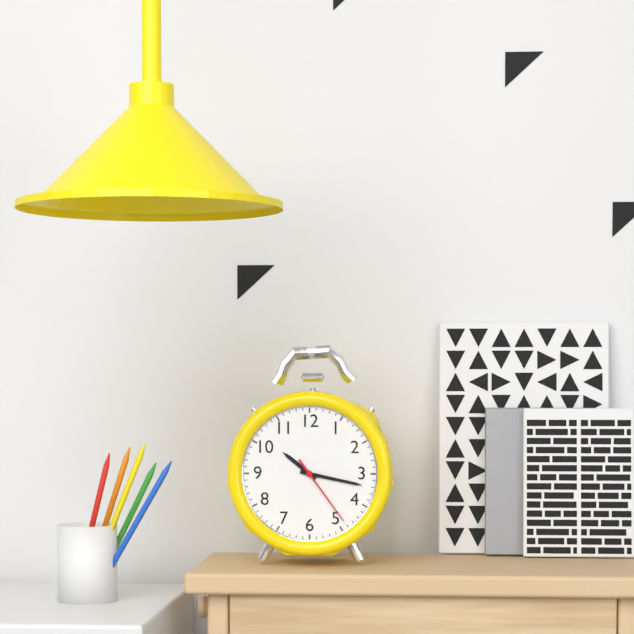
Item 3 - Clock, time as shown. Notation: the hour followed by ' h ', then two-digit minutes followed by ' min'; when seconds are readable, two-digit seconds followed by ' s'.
10 h 17 min 24 s
